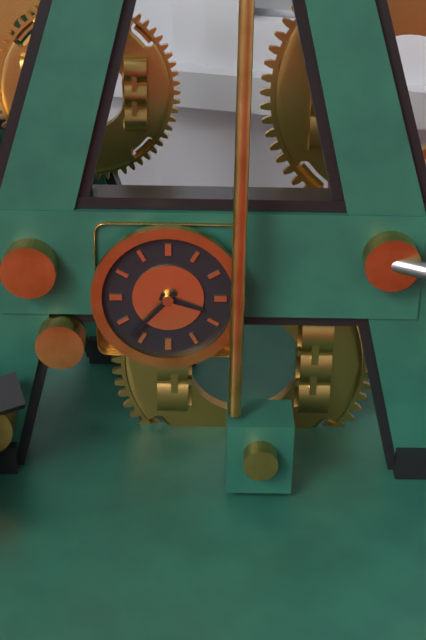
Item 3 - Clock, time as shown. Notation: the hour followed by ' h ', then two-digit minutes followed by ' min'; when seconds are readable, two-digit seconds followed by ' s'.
3 h 37 min
